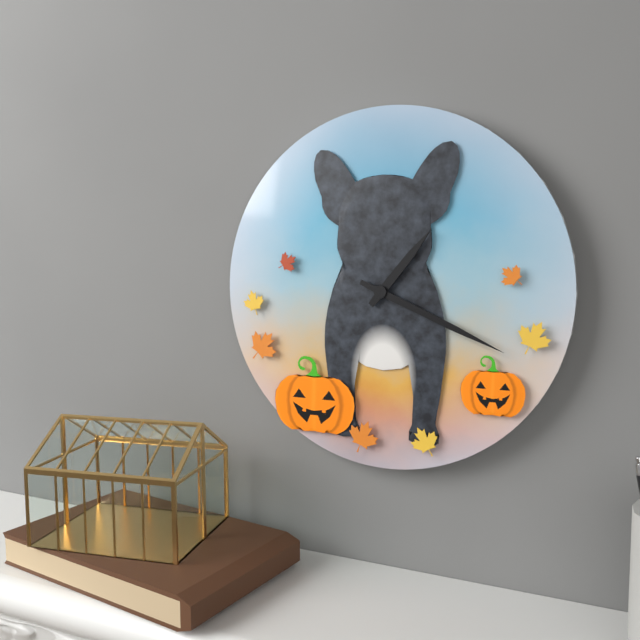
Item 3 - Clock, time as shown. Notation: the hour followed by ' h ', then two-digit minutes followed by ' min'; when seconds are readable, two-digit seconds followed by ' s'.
1 h 19 min
